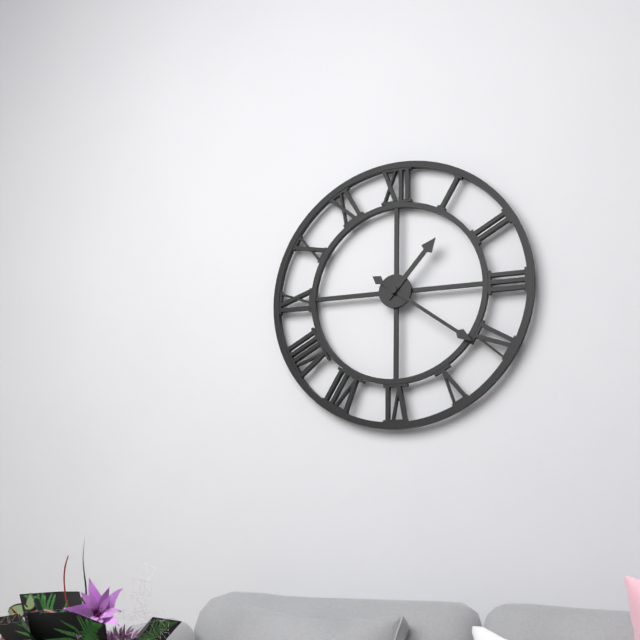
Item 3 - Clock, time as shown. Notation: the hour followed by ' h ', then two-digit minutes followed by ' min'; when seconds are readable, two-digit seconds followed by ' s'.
1 h 21 min
